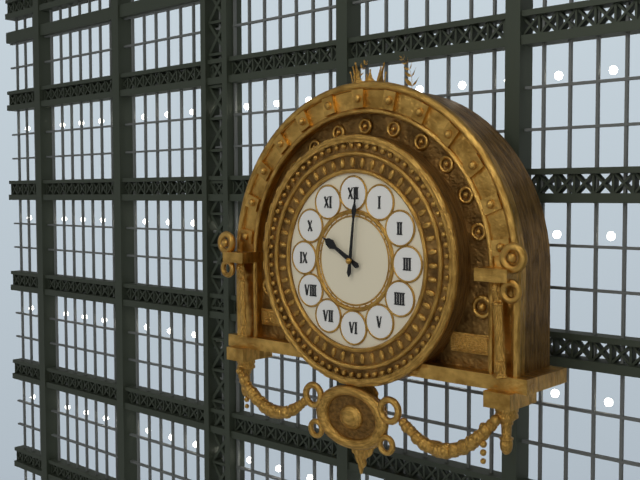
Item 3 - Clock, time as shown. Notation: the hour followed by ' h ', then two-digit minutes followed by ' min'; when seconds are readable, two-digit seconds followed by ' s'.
10 h 01 min
